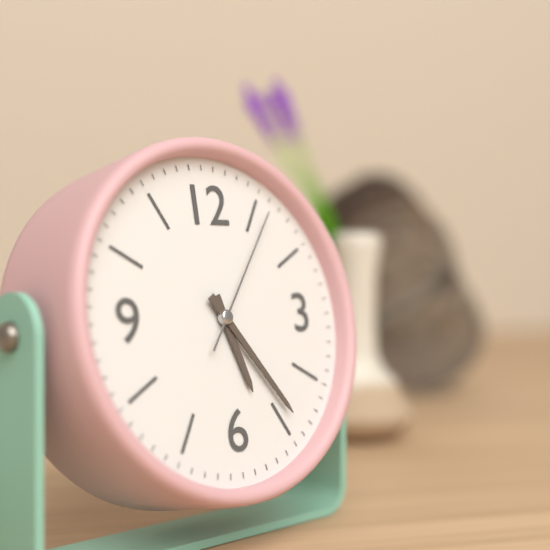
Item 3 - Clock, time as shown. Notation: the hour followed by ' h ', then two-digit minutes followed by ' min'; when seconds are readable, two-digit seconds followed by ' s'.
5 h 24 min 06 s
